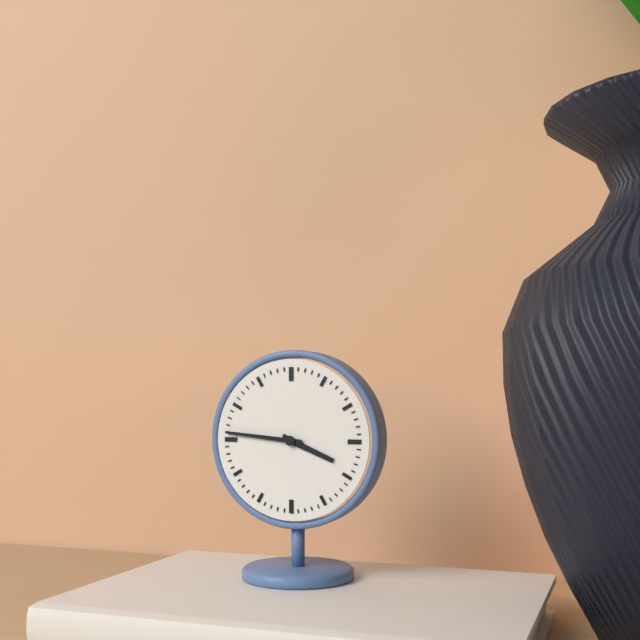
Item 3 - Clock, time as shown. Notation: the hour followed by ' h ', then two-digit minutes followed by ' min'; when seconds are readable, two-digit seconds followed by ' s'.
3 h 46 min
